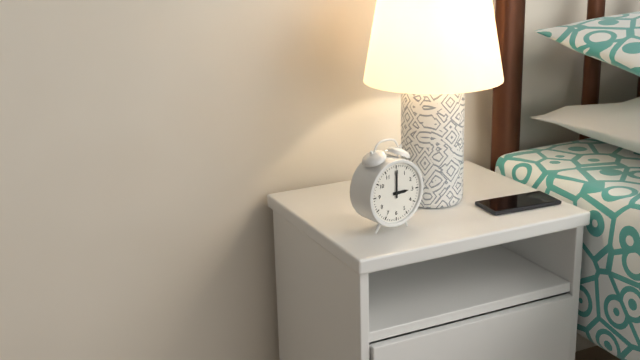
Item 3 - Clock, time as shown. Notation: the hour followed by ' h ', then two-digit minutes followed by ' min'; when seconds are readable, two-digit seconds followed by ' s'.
3 h 00 min
